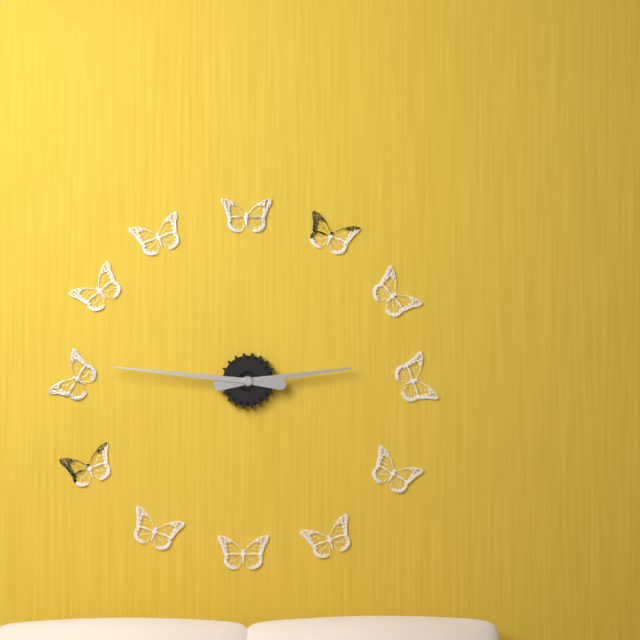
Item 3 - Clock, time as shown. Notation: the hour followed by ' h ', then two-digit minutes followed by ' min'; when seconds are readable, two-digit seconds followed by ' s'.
2 h 46 min
